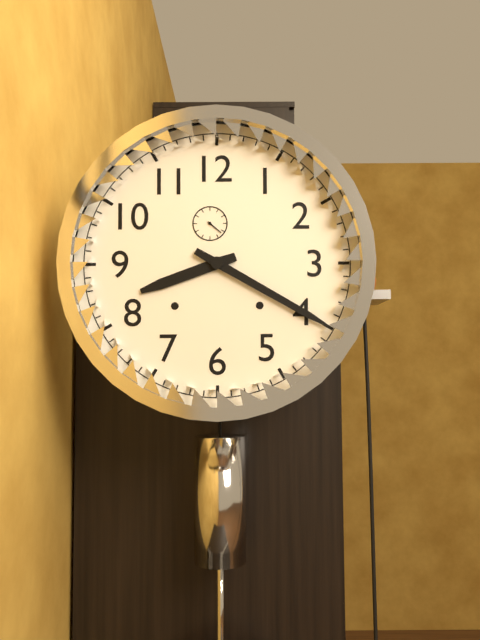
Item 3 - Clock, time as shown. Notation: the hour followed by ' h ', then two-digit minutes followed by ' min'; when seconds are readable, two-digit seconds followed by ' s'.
8 h 20 min
